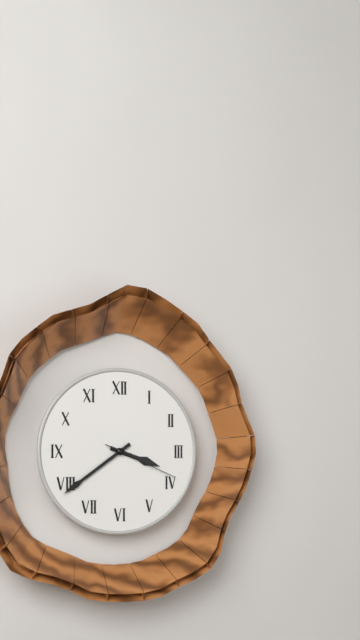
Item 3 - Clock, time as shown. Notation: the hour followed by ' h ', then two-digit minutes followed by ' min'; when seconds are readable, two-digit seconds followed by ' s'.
3 h 39 min 19 s
